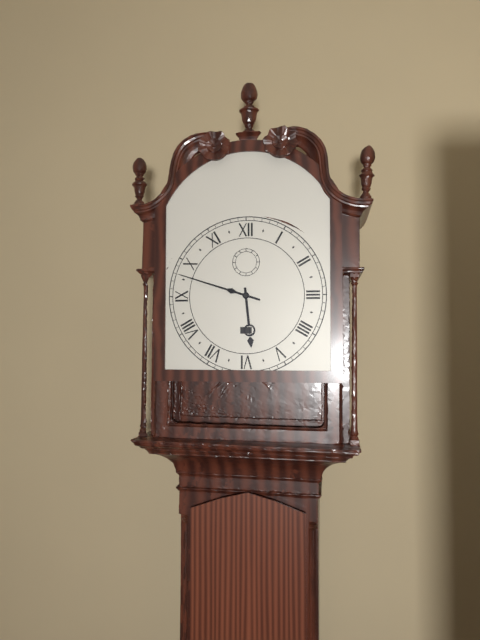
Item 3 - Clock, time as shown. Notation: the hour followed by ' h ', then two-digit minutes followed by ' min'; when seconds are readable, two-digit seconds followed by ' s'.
5 h 48 min
